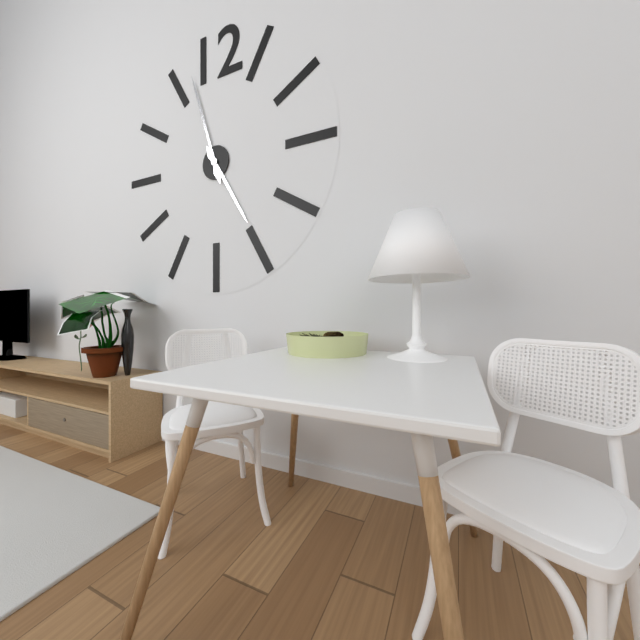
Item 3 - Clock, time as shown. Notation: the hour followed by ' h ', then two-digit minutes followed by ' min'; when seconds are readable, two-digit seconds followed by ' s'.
4 h 57 min
